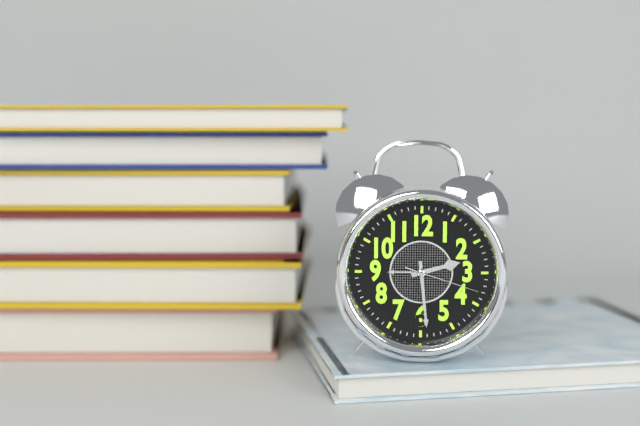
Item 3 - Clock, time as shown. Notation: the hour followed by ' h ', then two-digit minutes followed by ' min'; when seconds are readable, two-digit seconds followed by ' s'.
2 h 29 min 18 s
